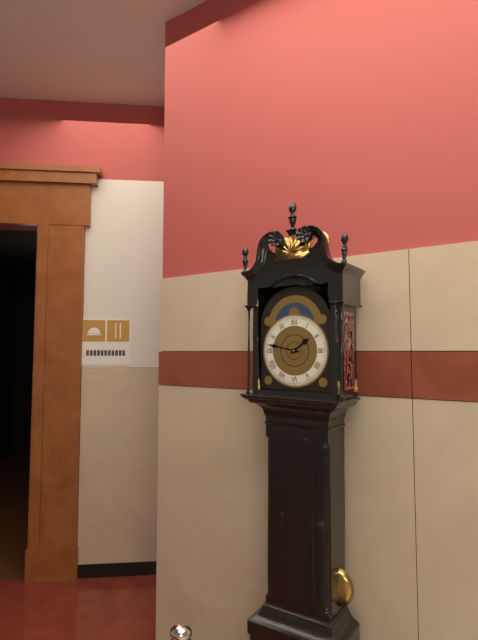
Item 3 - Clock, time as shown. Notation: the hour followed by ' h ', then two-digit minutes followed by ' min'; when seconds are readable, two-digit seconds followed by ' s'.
1 h 47 min
